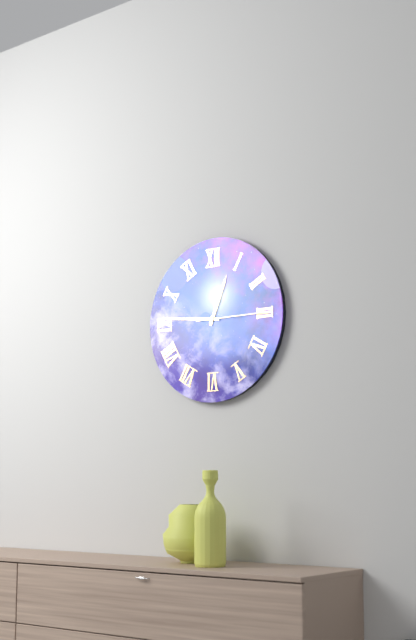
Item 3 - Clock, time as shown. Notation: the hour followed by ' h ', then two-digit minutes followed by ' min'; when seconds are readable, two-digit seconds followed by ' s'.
12 h 46 min 15 s
